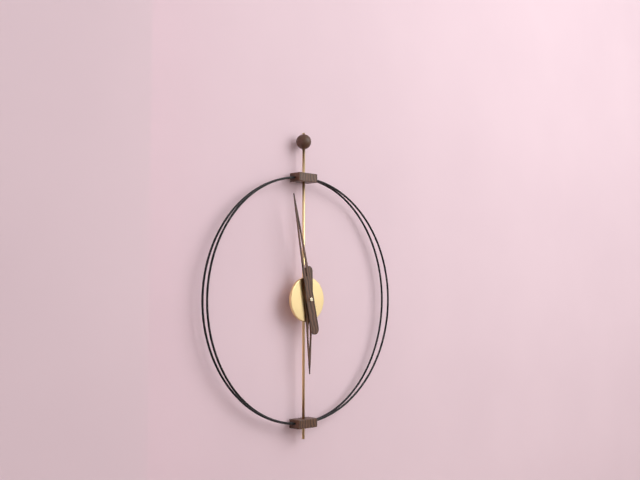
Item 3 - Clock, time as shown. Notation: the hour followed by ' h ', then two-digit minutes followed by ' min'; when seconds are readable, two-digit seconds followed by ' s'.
5 h 58 min
